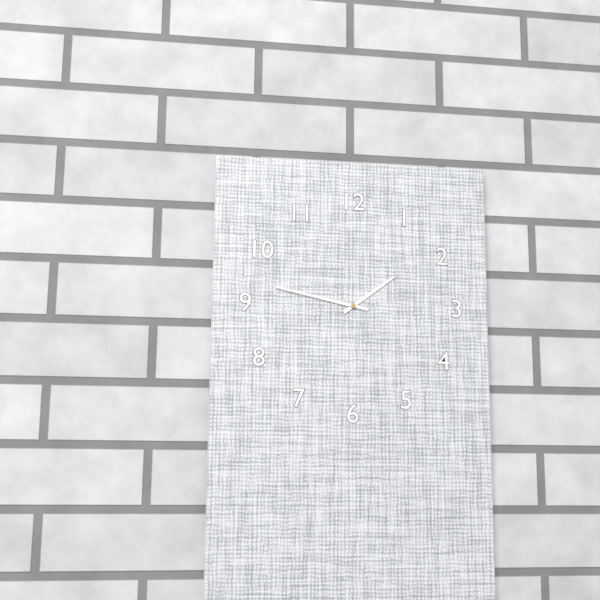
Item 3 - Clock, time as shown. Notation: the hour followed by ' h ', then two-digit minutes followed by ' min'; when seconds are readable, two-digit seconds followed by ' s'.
1 h 47 min
